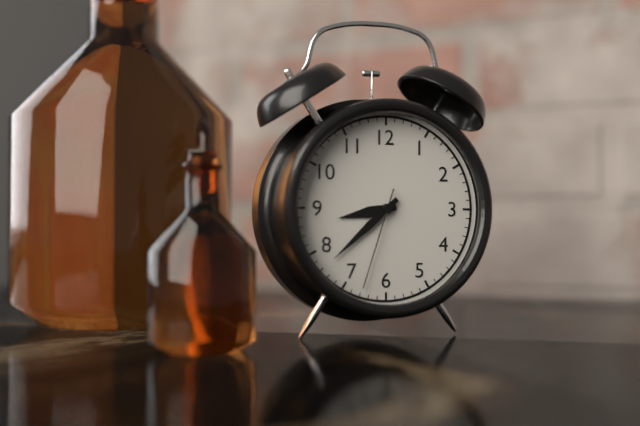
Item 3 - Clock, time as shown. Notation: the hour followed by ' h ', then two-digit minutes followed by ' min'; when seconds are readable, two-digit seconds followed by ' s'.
8 h 38 min 33 s
